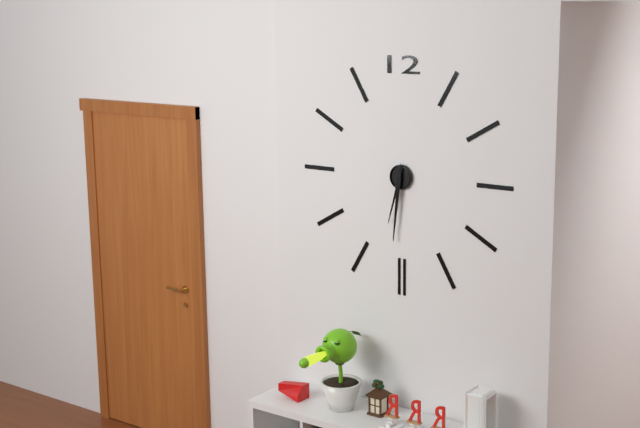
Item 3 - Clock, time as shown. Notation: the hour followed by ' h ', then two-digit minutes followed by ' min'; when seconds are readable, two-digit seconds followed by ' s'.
6 h 31 min
